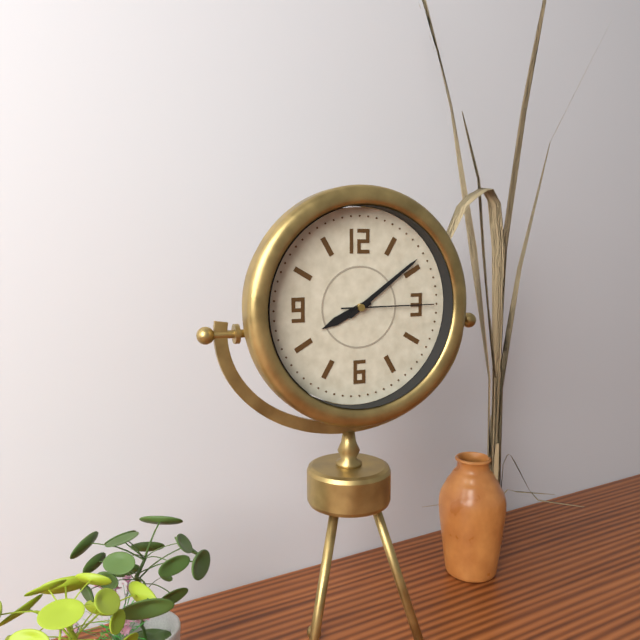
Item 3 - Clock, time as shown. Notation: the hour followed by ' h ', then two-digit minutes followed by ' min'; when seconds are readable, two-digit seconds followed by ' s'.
8 h 09 min 15 s
